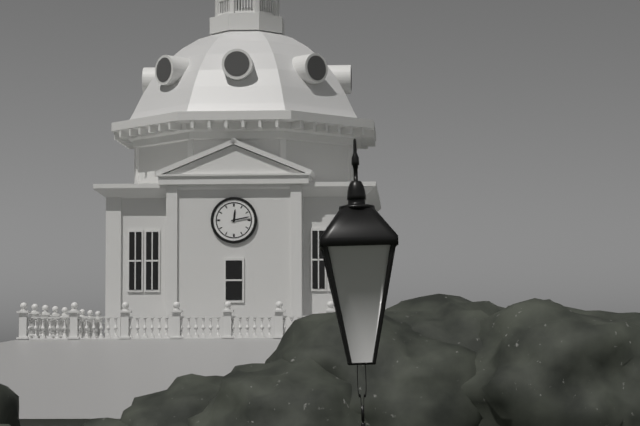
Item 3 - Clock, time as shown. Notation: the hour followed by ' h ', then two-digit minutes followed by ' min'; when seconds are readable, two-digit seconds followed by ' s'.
12 h 13 min
